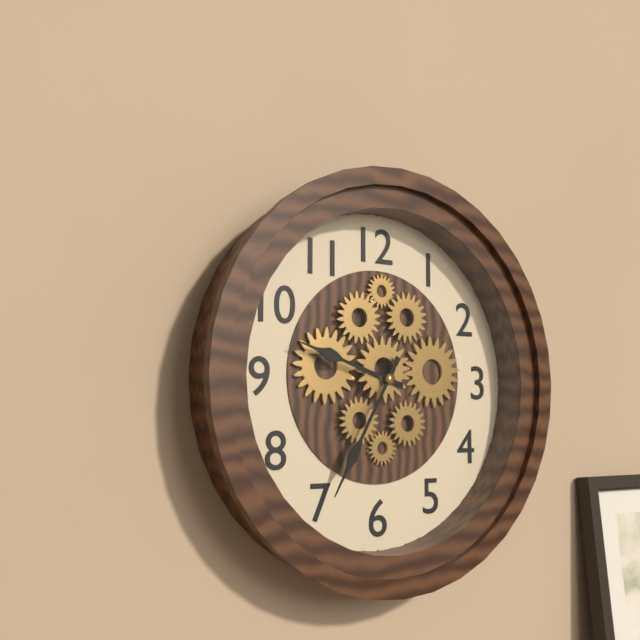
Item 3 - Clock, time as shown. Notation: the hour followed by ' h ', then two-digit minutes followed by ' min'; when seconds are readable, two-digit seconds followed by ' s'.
9 h 35 min
